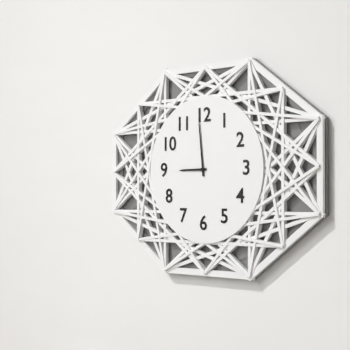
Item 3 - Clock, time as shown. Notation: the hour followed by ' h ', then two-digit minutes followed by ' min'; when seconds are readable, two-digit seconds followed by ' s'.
8 h 59 min
